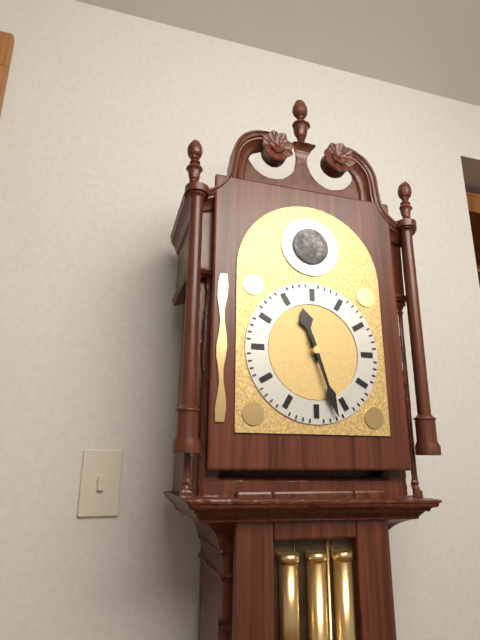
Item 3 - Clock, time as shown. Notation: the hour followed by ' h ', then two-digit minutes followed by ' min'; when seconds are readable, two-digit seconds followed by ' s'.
11 h 27 min
